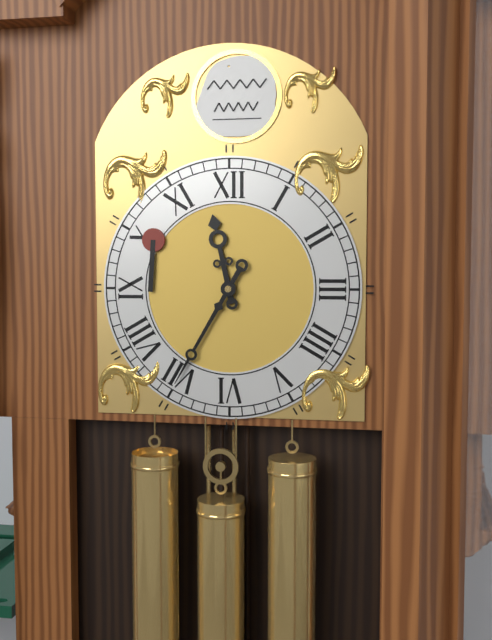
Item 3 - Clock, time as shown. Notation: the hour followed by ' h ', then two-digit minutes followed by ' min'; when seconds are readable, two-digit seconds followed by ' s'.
11 h 35 min
